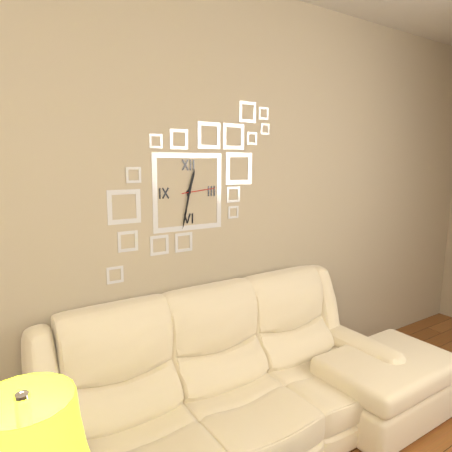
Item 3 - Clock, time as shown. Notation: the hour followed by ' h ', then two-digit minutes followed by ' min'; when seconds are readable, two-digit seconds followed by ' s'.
12 h 32 min
